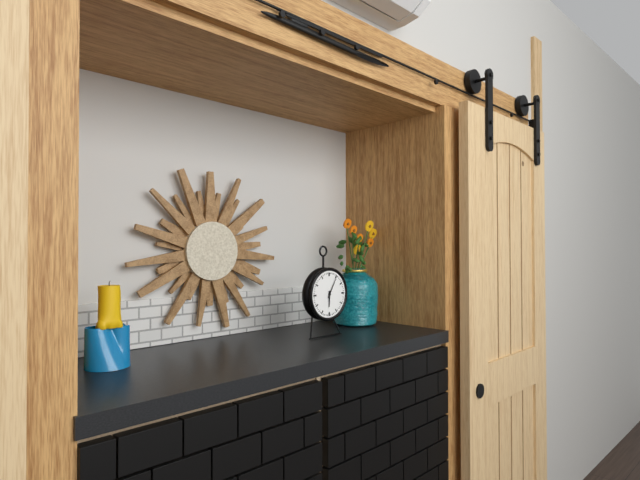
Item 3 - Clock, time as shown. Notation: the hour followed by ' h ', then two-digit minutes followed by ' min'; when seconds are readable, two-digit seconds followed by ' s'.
6 h 05 min
